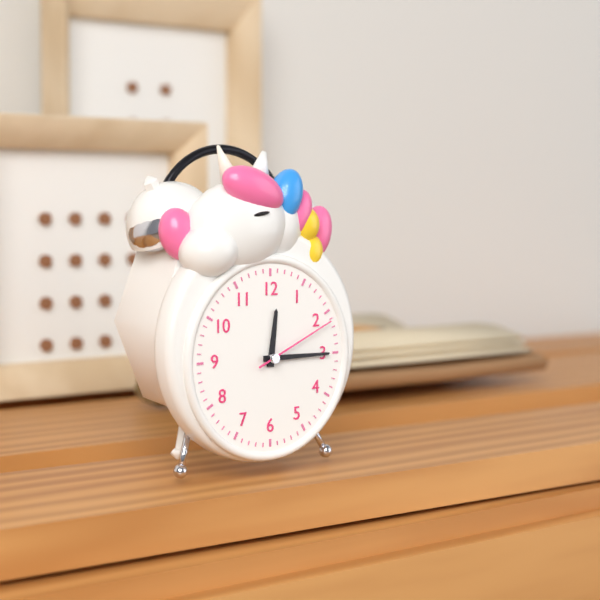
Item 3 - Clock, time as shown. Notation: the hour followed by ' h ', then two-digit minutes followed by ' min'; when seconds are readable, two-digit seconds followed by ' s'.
12 h 15 min 11 s
